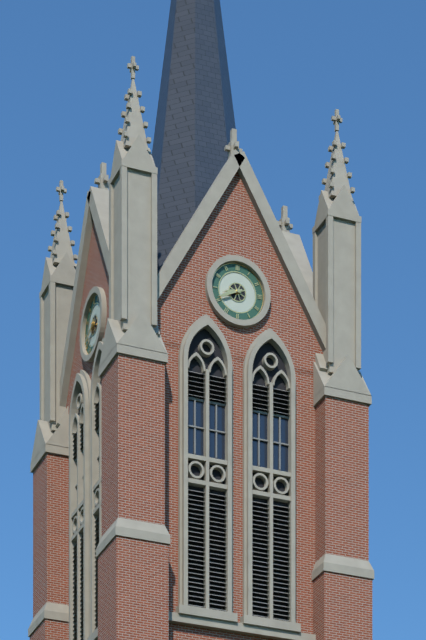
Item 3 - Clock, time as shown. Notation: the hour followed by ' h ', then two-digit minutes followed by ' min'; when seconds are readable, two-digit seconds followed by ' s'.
8 h 41 min
